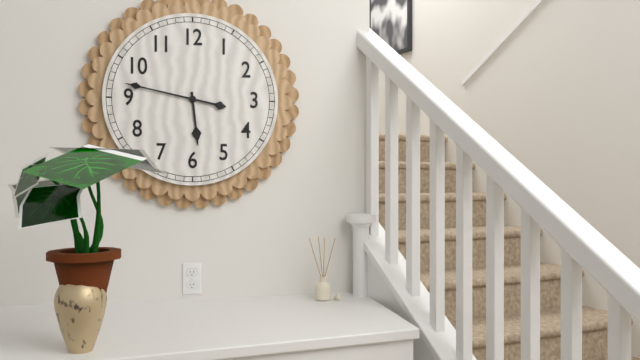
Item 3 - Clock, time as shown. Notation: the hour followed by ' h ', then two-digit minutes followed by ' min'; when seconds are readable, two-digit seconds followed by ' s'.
5 h 47 min
